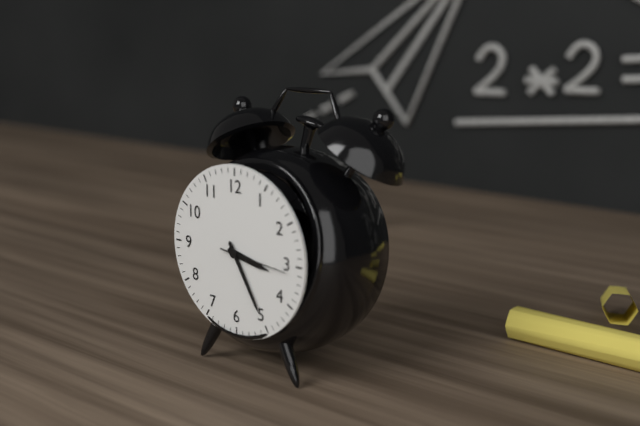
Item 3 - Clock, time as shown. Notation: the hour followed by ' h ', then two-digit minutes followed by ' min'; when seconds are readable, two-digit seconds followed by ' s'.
3 h 25 min
